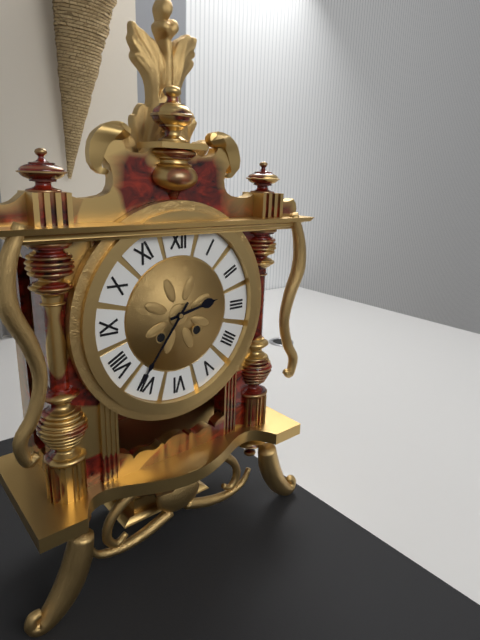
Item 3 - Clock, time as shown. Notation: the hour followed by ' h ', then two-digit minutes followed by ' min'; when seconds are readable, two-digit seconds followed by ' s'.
2 h 36 min
